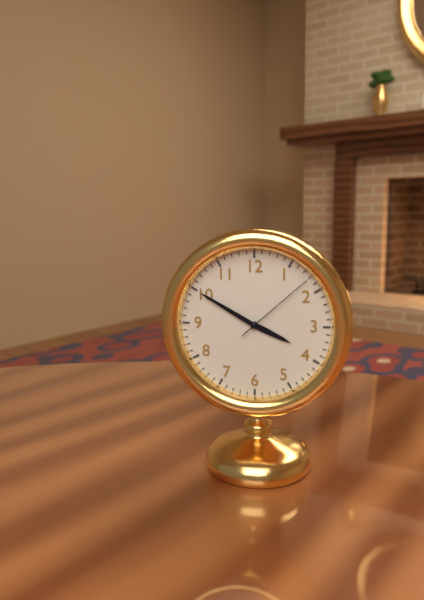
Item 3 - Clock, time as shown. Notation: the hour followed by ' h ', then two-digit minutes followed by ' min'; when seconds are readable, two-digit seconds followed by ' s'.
3 h 50 min 08 s
